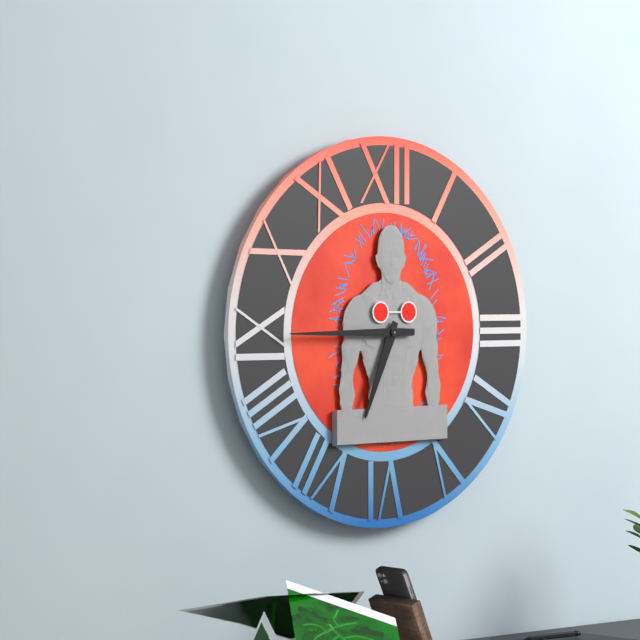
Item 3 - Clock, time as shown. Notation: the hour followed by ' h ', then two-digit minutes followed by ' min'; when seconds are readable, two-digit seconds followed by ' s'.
6 h 45 min
